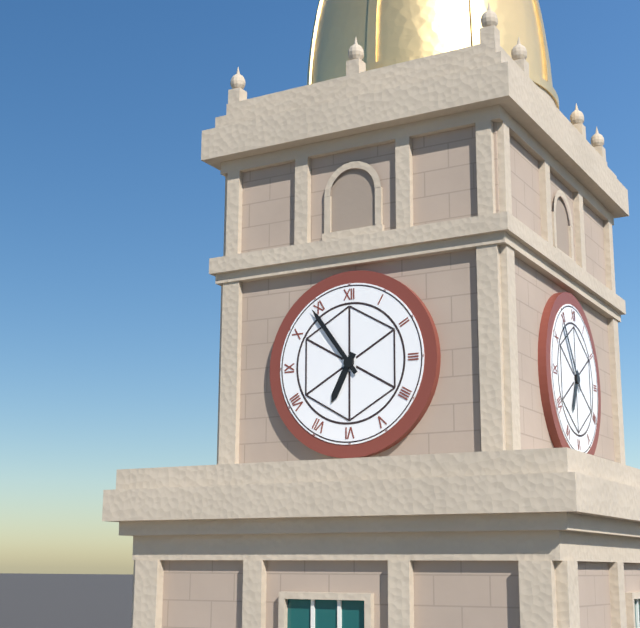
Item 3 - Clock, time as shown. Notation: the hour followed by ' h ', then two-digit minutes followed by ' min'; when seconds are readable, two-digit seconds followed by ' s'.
6 h 54 min
